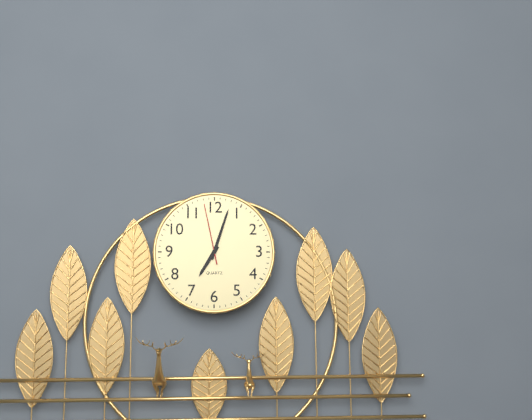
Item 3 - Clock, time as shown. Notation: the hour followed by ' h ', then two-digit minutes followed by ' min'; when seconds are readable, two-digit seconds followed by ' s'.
7 h 03 min 58 s
